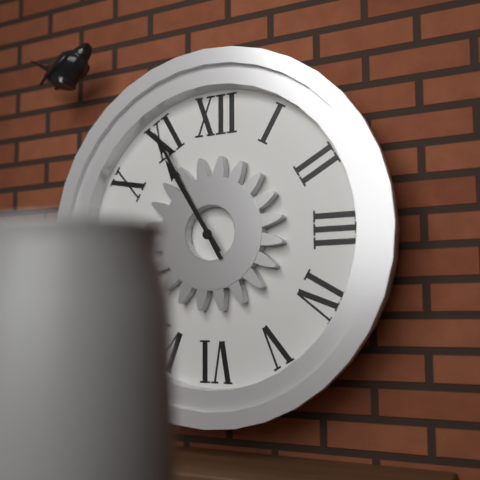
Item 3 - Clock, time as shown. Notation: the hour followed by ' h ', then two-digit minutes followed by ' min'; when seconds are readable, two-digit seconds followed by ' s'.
10 h 55 min
